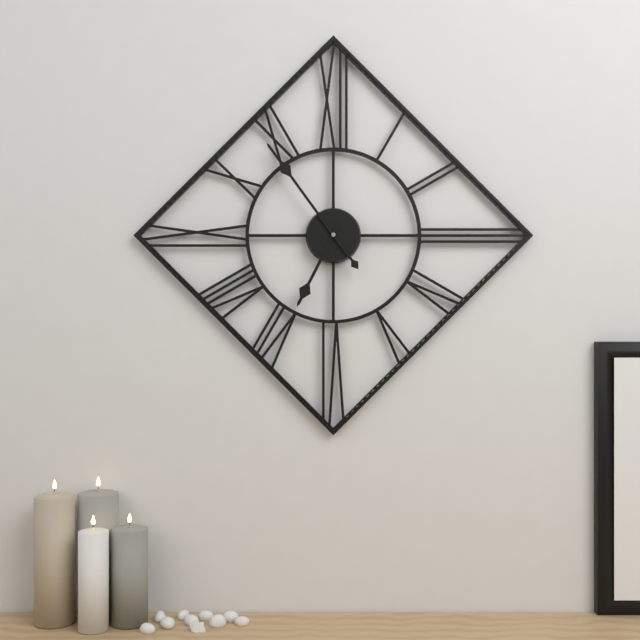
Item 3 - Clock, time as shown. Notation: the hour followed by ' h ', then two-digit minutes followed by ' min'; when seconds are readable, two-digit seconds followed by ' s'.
6 h 54 min
